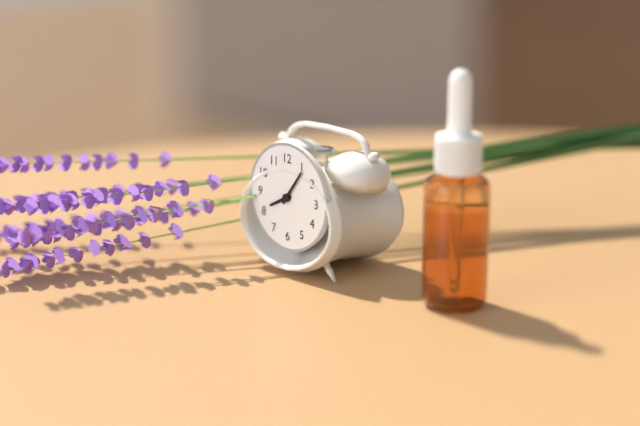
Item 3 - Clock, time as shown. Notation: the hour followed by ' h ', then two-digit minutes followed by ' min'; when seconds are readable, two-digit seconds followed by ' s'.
8 h 06 min
